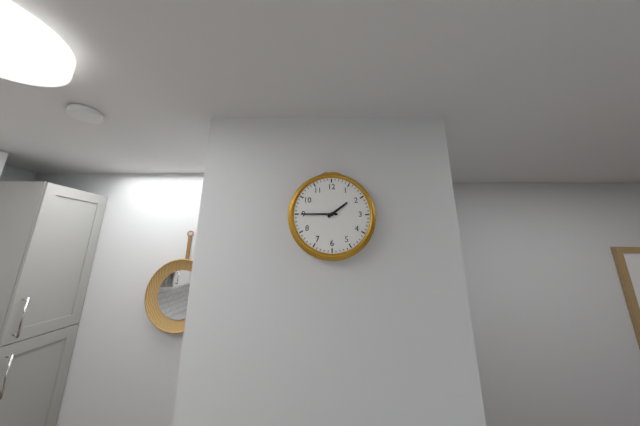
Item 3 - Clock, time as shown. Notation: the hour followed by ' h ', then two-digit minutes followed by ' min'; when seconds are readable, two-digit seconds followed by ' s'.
1 h 45 min
